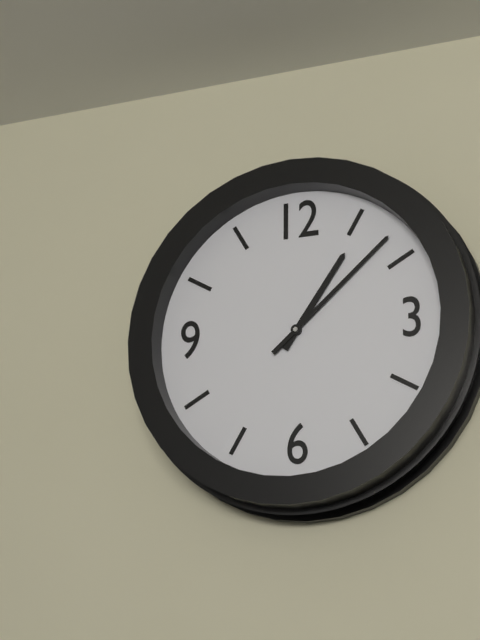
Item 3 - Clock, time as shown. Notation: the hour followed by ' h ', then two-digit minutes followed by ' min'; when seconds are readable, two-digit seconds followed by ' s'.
1 h 08 min
